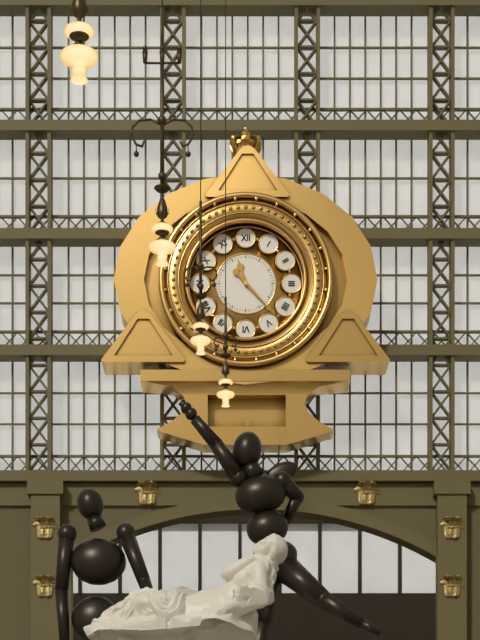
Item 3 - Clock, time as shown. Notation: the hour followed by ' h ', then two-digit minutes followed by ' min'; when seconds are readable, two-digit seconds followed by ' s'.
11 h 23 min
